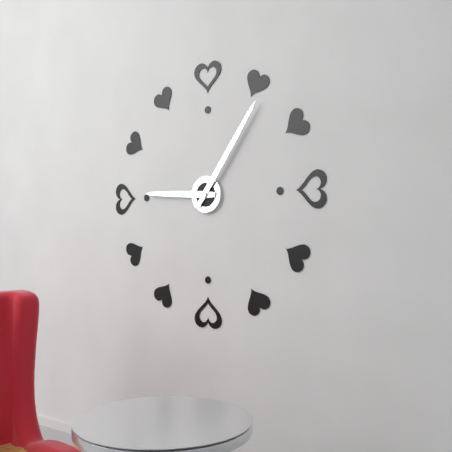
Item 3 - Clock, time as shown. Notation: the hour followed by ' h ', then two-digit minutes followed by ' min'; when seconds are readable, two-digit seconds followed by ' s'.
9 h 06 min
